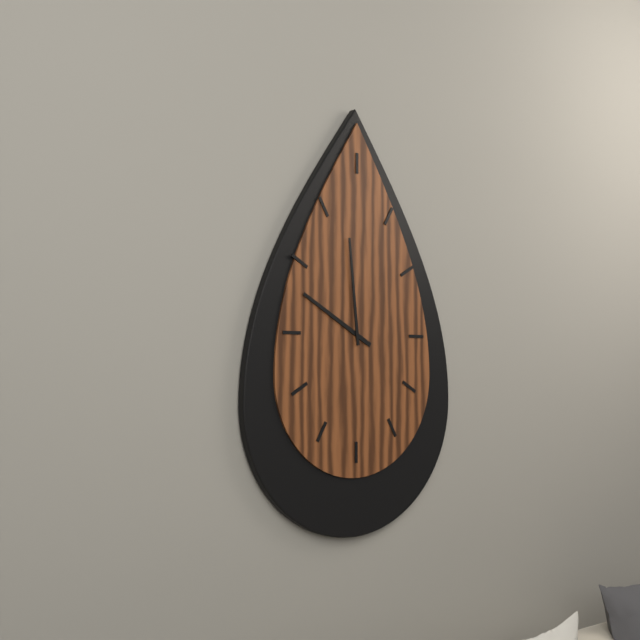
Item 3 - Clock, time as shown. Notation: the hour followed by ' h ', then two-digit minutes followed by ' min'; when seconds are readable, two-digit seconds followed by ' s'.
9 h 59 min
